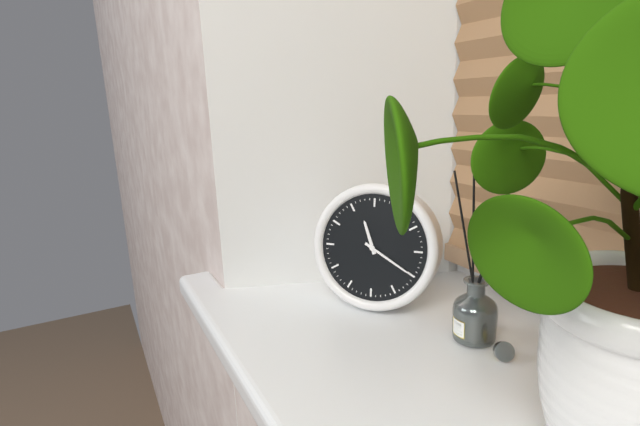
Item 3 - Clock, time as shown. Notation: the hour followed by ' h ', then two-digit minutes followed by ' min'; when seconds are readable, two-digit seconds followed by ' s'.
11 h 20 min
